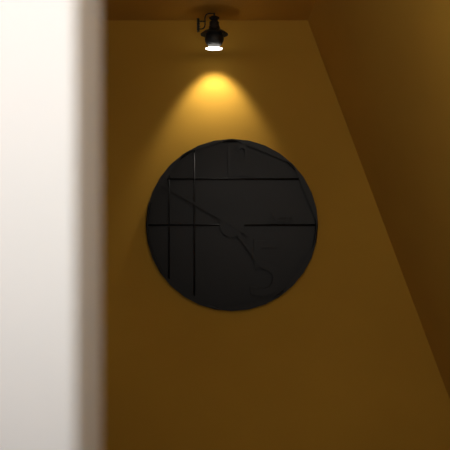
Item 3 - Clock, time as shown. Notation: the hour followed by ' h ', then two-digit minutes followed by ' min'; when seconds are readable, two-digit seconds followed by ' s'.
4 h 50 min
